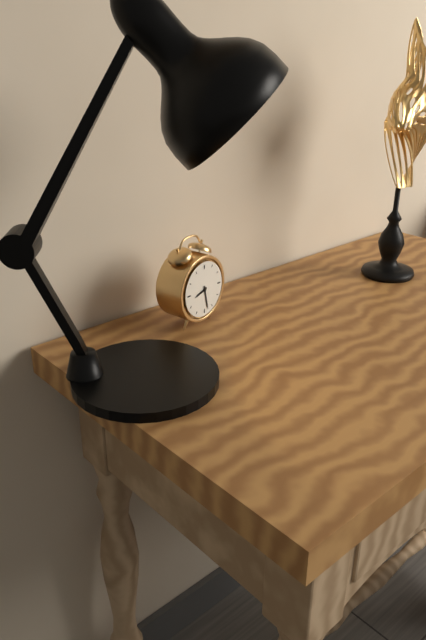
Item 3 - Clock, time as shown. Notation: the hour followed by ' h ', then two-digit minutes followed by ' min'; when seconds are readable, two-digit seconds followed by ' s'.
8 h 28 min
